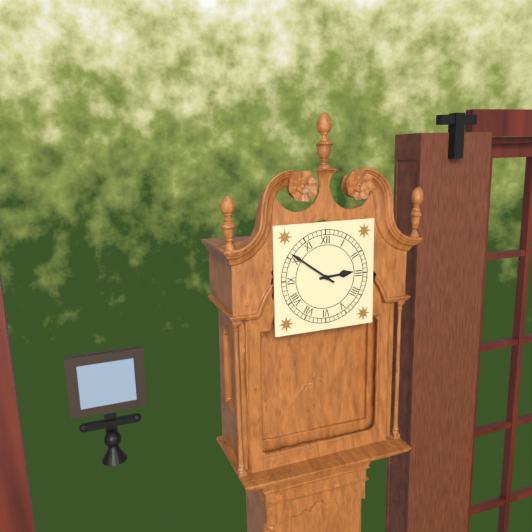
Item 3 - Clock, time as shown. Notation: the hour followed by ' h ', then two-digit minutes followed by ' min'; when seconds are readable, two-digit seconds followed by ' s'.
2 h 51 min
